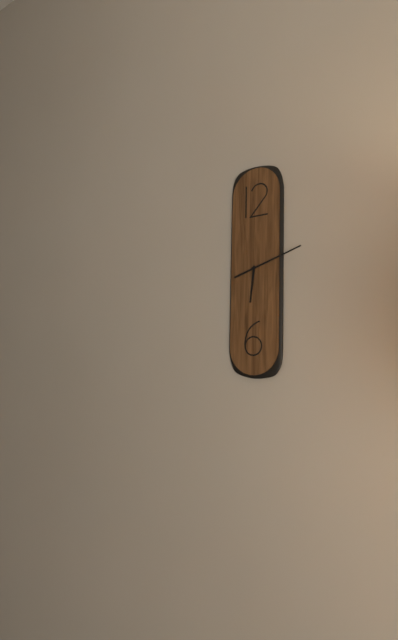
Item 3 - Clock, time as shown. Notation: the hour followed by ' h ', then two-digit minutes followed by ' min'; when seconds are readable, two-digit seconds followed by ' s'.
6 h 12 min
